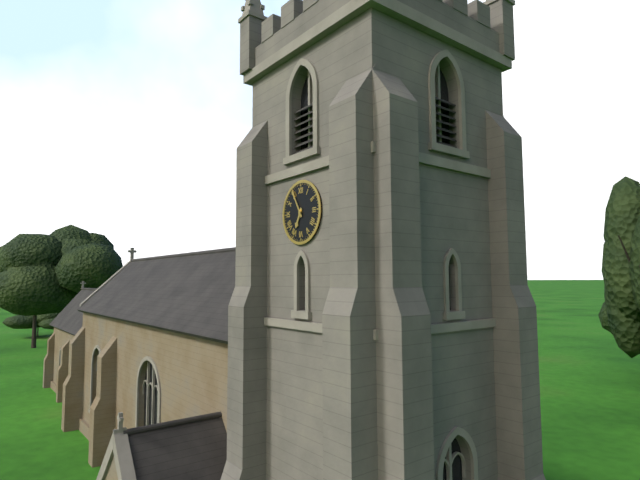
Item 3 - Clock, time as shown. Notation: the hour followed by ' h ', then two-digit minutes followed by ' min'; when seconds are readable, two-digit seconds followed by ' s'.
6 h 55 min
